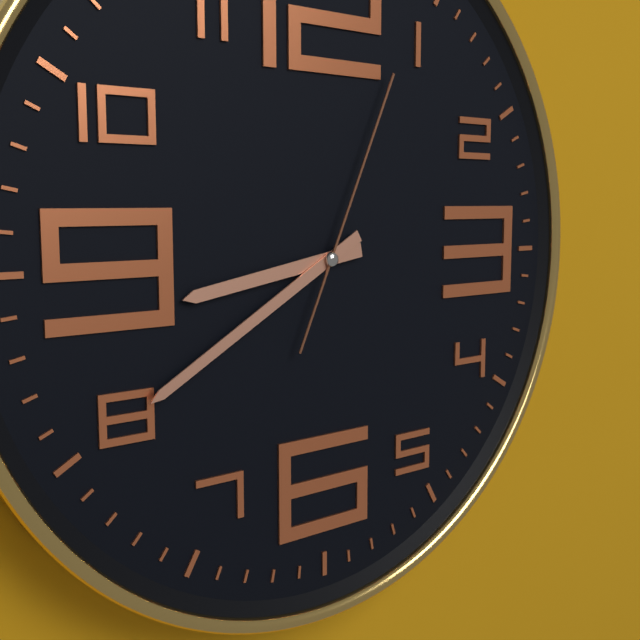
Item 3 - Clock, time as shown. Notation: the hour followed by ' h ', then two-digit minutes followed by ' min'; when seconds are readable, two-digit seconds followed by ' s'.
8 h 40 min 04 s
